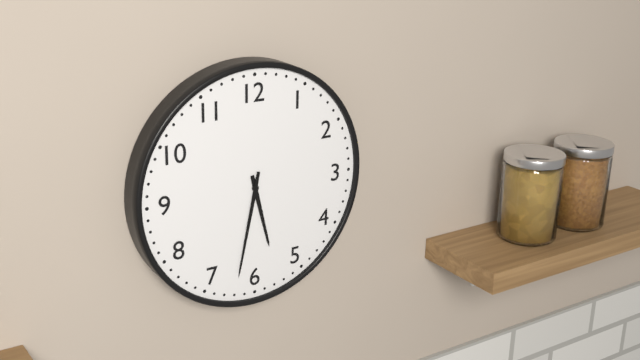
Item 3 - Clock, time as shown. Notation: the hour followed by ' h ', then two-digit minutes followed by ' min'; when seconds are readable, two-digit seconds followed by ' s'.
5 h 32 min
